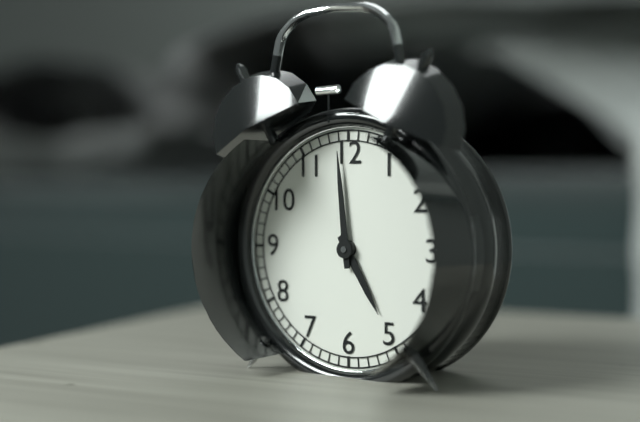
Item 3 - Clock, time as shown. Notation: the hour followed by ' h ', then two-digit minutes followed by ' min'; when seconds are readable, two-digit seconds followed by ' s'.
4 h 59 min
